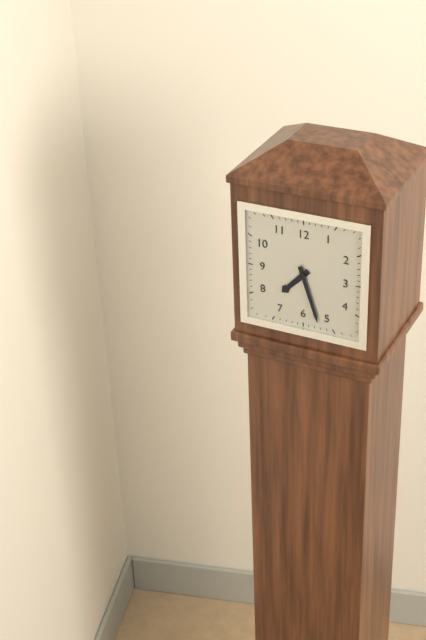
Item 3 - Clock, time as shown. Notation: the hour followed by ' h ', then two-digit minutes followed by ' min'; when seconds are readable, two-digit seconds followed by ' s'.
7 h 27 min
